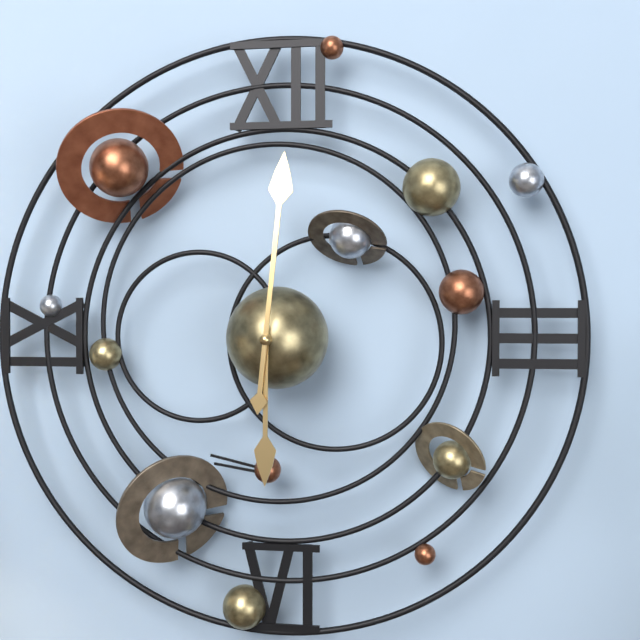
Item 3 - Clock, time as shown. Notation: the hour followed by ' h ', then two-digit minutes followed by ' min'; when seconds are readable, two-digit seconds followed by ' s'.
6 h 01 min
